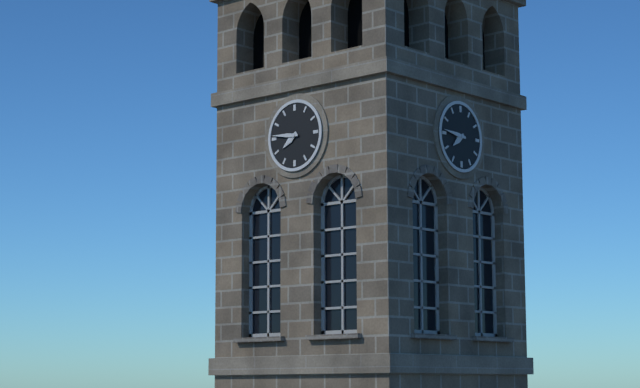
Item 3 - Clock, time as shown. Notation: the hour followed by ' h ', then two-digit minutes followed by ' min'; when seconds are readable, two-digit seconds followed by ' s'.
7 h 46 min
